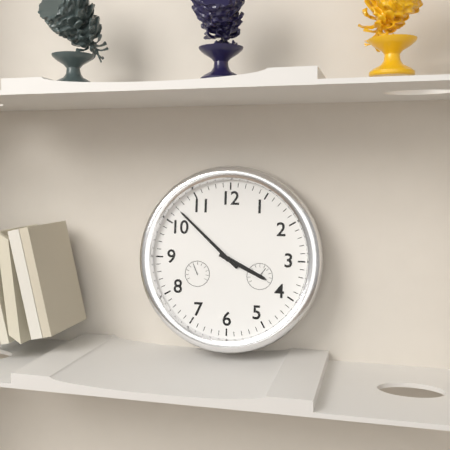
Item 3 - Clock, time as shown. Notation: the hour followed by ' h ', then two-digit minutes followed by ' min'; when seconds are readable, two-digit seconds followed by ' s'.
3 h 52 min
